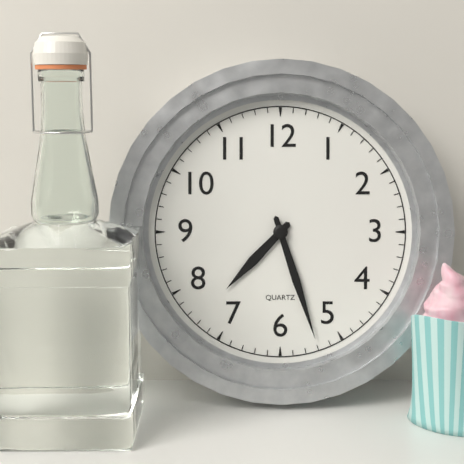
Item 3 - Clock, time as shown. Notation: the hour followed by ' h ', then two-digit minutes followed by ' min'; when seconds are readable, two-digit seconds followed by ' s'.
7 h 27 min
